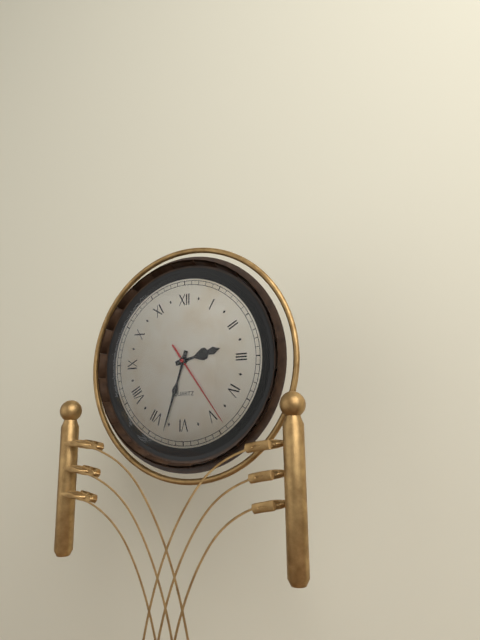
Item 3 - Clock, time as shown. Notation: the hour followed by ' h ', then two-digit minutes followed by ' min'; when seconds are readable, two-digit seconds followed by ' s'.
2 h 33 min 24 s
